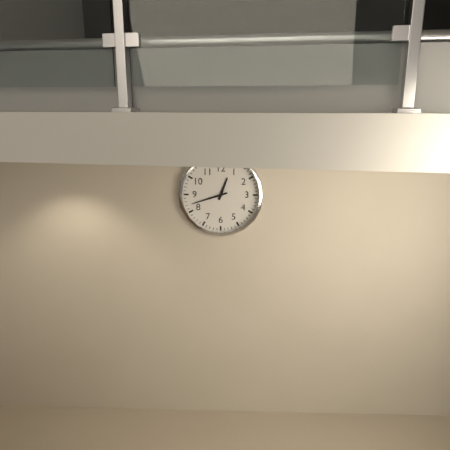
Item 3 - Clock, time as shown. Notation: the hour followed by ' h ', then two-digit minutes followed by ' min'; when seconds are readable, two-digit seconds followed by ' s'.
12 h 42 min
